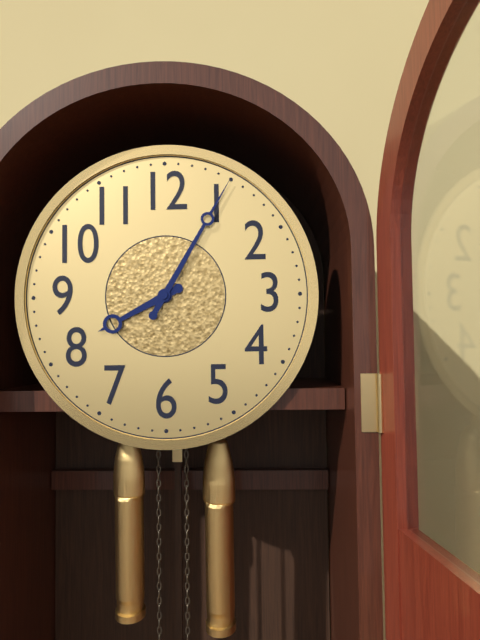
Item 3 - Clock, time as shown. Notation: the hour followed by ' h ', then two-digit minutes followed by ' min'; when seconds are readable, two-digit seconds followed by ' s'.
8 h 05 min
